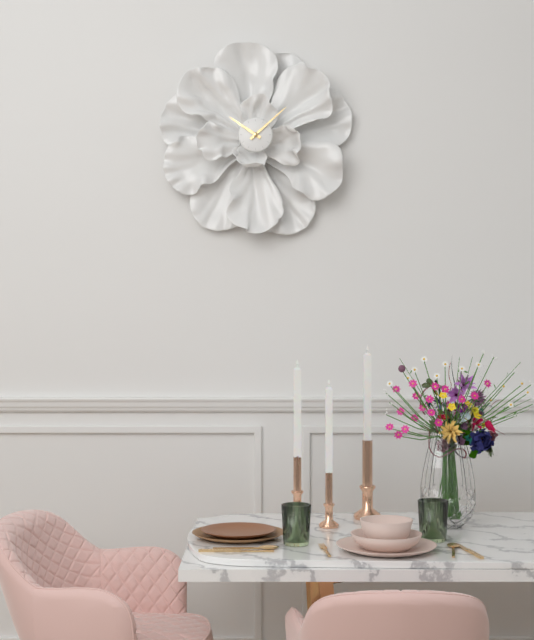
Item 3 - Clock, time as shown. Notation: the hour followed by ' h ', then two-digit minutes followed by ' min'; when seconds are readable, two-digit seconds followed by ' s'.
10 h 08 min
